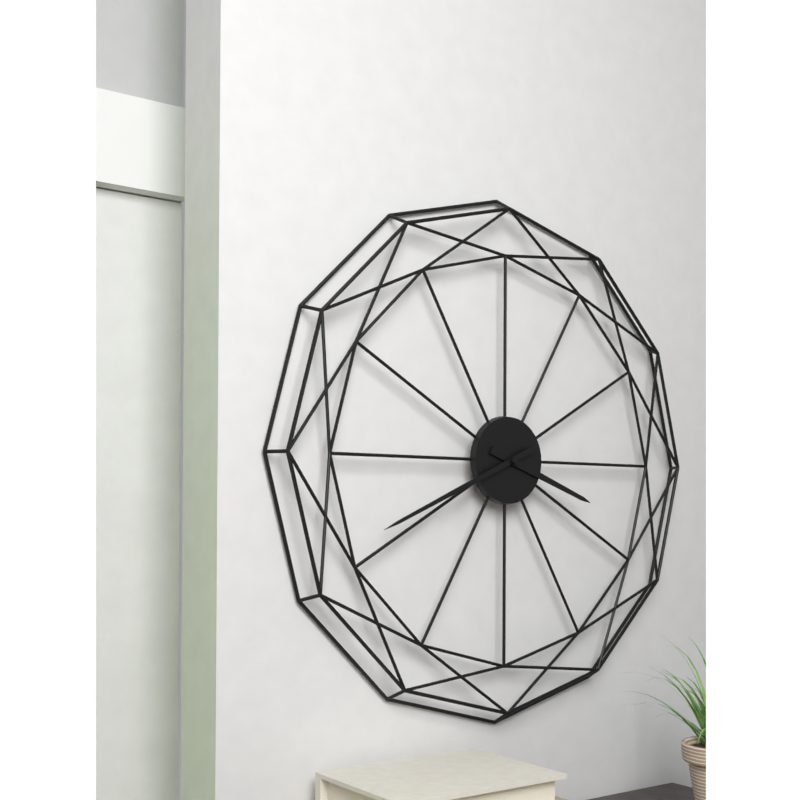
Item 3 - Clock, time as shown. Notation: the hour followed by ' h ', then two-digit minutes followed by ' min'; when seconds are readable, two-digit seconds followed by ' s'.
3 h 41 min
